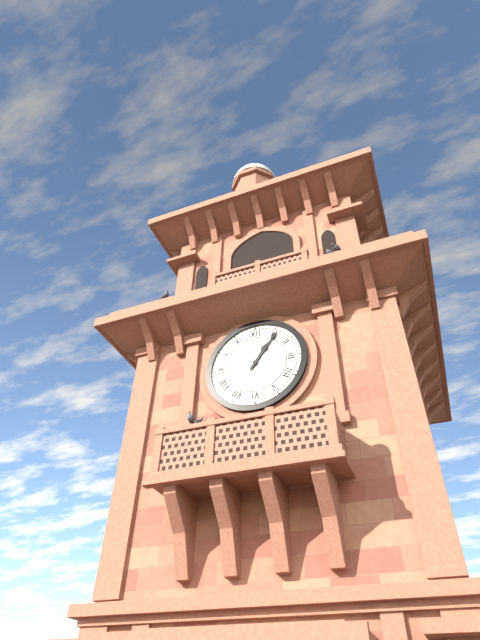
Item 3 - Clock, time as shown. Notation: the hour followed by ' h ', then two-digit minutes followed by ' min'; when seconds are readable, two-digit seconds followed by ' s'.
1 h 06 min
